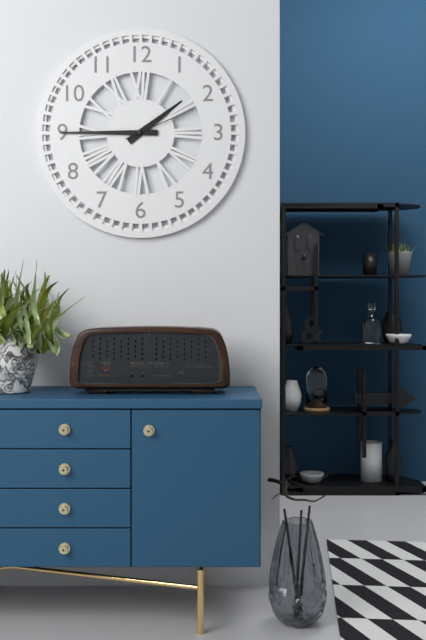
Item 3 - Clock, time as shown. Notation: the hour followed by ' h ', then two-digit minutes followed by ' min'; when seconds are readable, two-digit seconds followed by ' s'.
1 h 45 min 11 s
